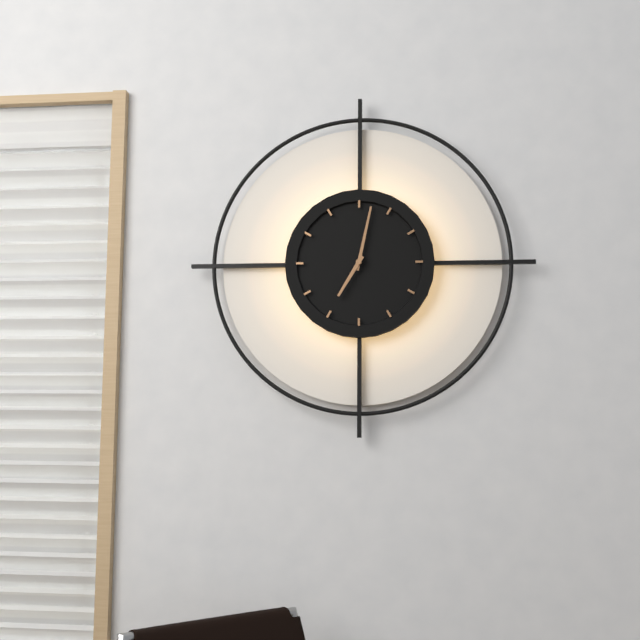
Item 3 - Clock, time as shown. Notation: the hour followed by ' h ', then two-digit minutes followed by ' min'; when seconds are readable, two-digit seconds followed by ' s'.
7 h 02 min
